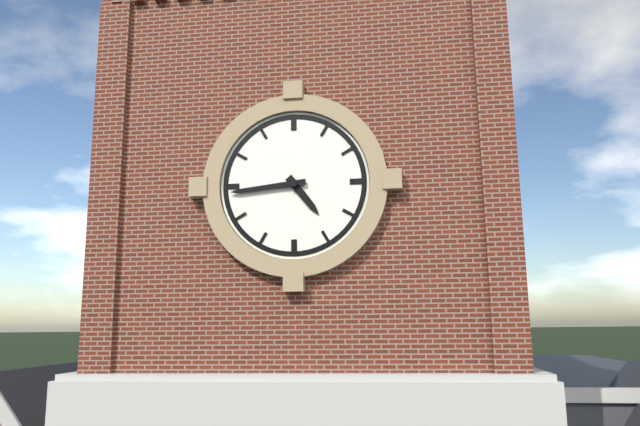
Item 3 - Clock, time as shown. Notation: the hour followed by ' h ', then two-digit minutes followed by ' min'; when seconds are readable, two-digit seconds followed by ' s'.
4 h 44 min
